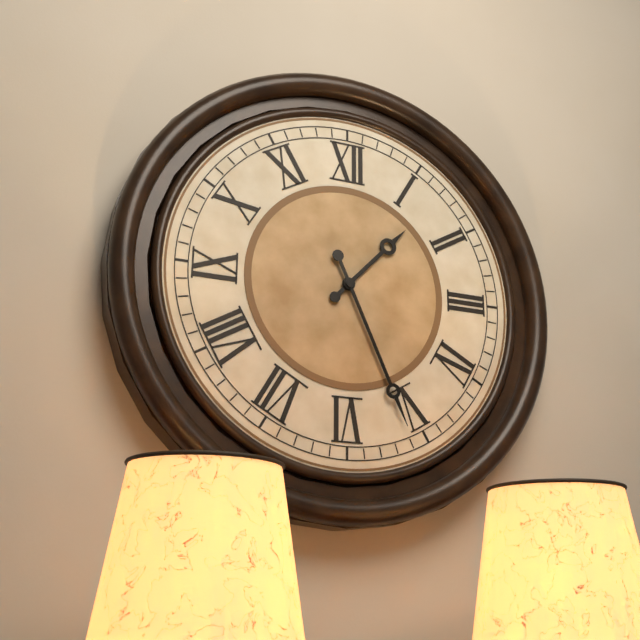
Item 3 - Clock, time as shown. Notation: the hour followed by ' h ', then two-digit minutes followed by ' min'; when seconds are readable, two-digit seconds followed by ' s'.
1 h 26 min
